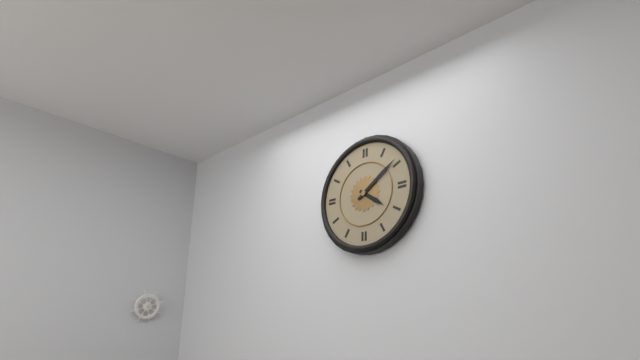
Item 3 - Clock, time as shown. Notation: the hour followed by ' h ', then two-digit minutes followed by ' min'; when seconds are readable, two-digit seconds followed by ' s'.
4 h 09 min
